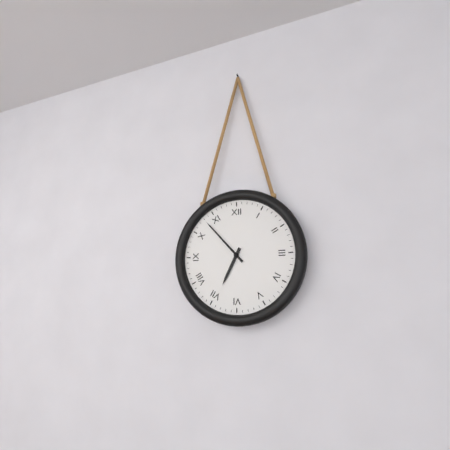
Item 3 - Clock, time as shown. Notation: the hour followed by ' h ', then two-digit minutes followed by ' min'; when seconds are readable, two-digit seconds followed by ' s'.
6 h 53 min
